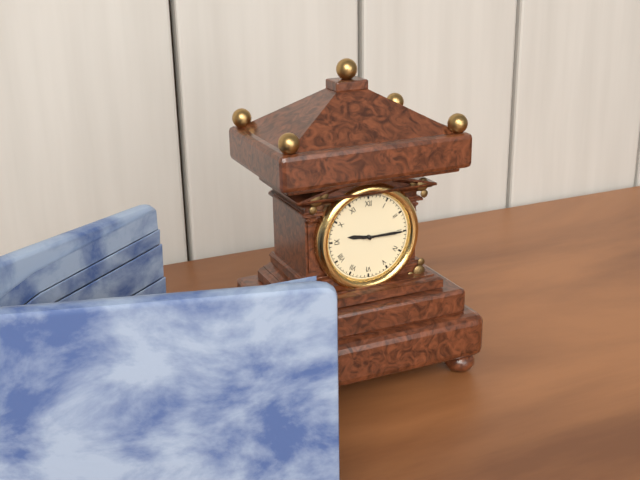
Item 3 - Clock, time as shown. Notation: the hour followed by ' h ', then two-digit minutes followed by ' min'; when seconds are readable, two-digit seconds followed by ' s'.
9 h 15 min
